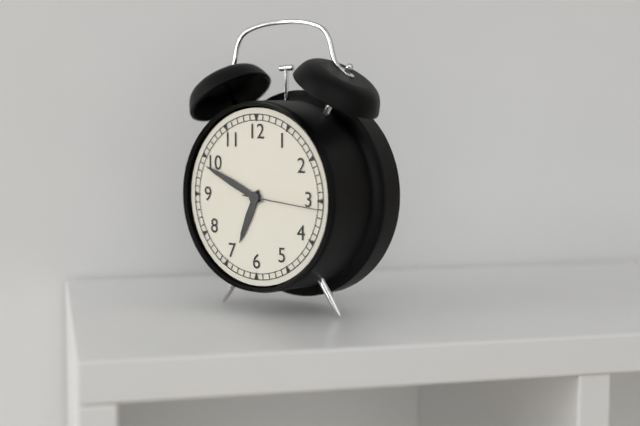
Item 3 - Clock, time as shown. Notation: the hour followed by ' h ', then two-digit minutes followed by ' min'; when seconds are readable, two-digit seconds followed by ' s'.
6 h 49 min 16 s
